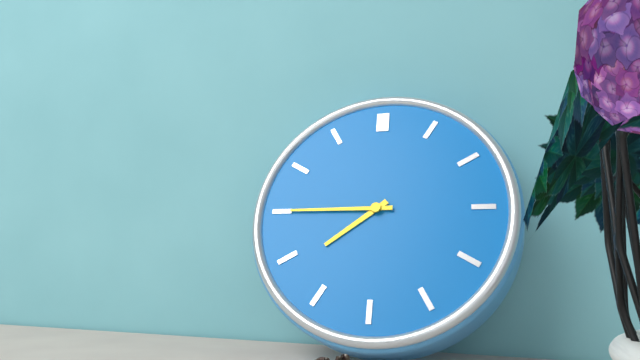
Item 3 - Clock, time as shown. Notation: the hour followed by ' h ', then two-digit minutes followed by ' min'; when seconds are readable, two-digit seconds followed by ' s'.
7 h 45 min
